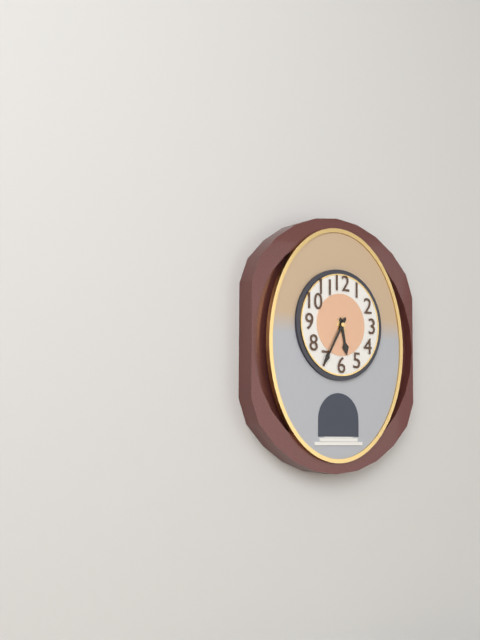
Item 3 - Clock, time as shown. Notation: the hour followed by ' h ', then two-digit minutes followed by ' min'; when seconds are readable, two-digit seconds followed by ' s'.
5 h 35 min
